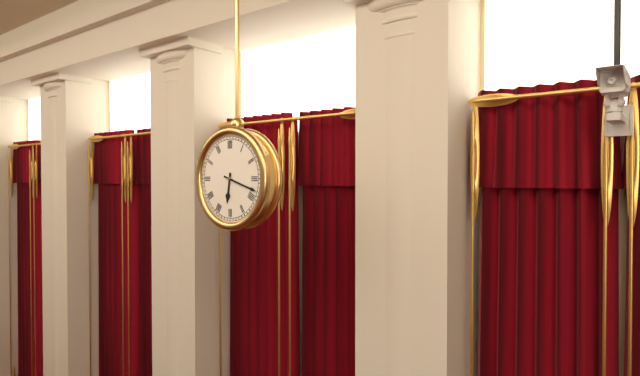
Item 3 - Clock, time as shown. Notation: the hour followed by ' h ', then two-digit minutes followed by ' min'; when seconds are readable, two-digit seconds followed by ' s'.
6 h 18 min
